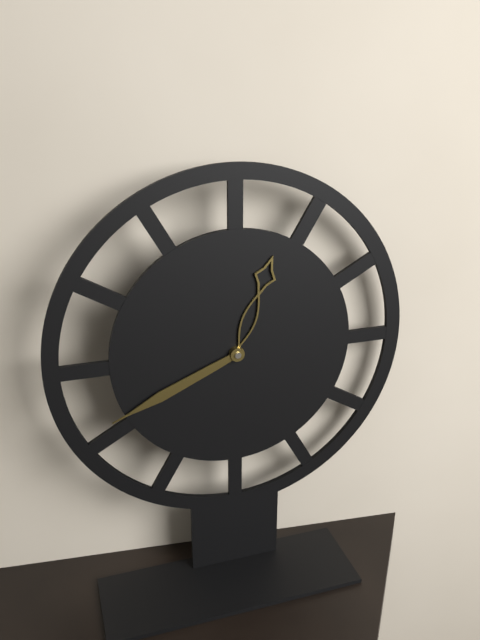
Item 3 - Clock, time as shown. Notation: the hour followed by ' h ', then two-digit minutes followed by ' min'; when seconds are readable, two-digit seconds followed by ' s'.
12 h 41 min
